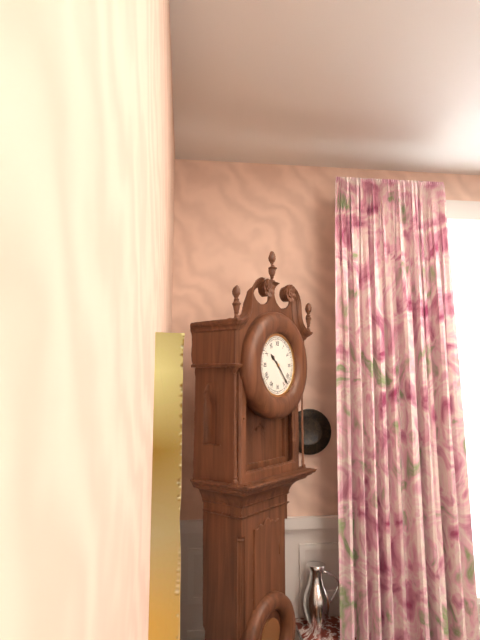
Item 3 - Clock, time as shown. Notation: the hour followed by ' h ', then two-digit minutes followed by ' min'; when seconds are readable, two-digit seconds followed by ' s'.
10 h 23 min
